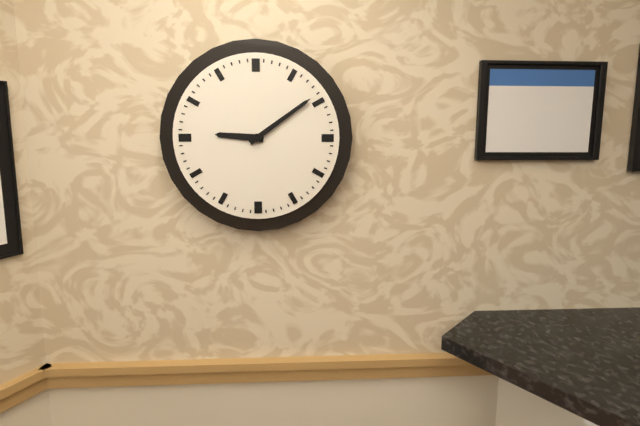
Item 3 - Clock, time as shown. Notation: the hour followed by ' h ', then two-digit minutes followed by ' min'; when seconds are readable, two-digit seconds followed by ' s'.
9 h 09 min
